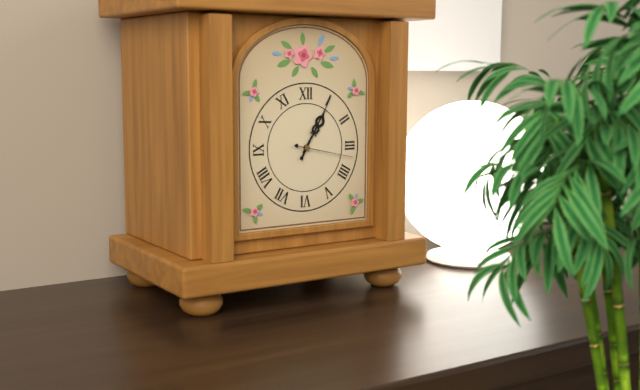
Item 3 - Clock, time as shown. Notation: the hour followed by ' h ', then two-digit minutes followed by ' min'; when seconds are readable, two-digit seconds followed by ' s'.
1 h 05 min 17 s
